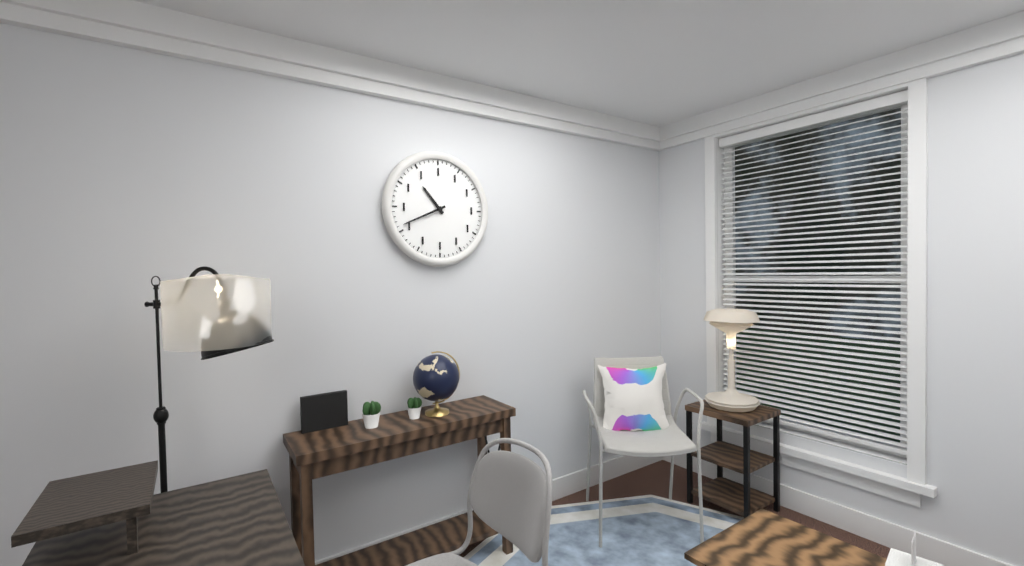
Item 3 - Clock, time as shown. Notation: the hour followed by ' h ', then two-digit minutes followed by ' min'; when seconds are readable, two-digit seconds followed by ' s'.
10 h 41 min
